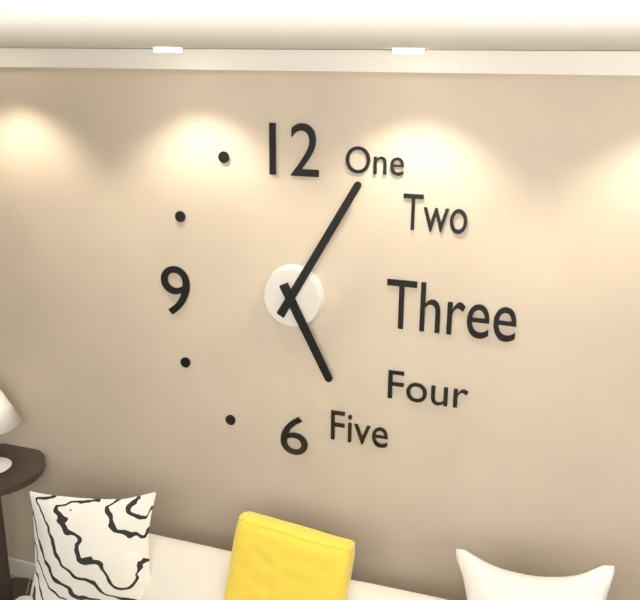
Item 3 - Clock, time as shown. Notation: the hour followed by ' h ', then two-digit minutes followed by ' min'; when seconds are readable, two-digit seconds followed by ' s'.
5 h 05 min
